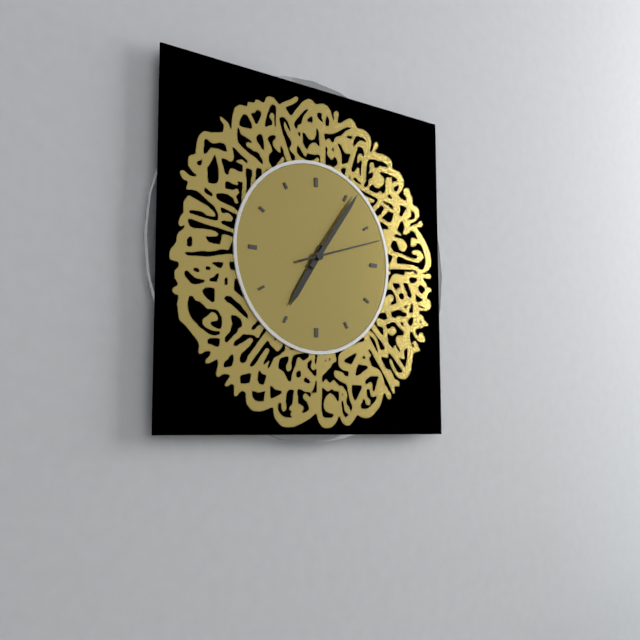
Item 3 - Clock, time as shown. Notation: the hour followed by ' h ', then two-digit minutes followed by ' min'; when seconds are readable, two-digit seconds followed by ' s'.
7 h 06 min 12 s
